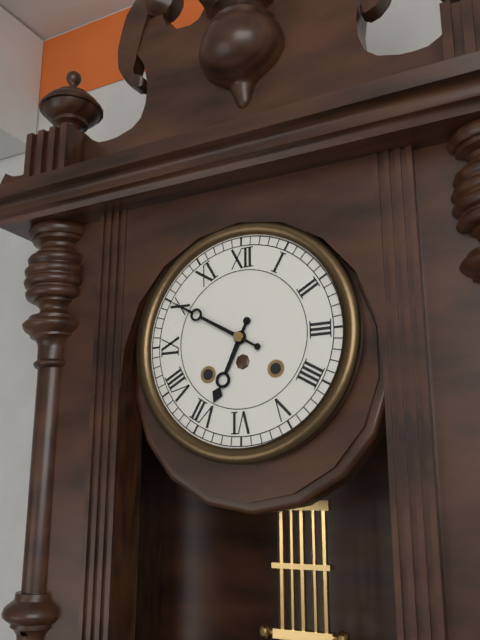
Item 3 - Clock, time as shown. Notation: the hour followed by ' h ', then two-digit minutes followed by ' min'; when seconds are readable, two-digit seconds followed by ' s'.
6 h 50 min
